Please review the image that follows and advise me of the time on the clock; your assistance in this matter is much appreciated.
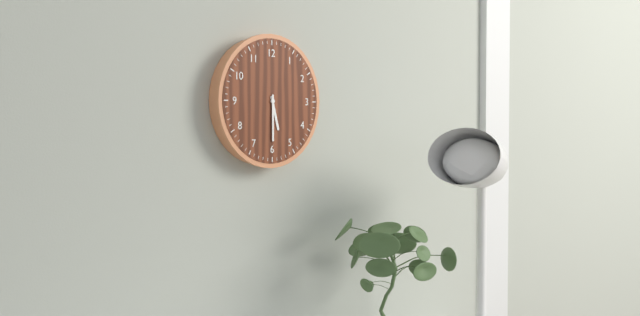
5:30
